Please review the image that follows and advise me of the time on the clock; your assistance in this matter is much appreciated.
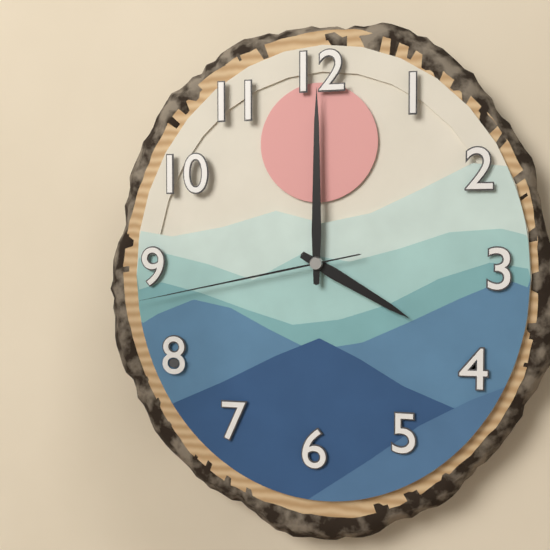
4:00:43
